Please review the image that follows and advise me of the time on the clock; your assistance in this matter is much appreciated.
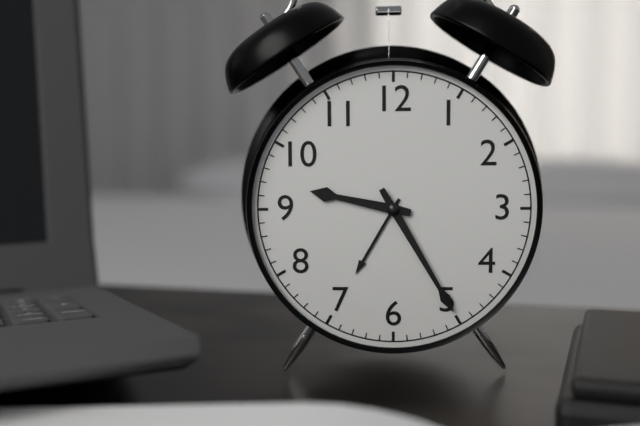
9:25
